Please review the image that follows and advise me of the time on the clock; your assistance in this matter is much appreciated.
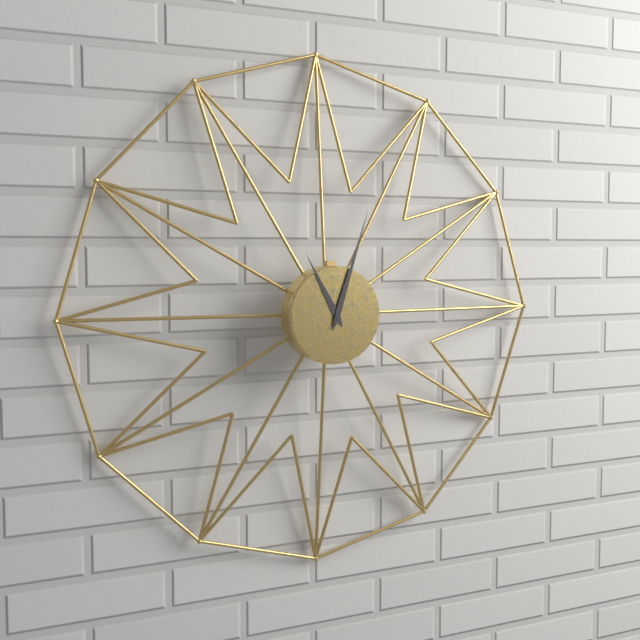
11:03
